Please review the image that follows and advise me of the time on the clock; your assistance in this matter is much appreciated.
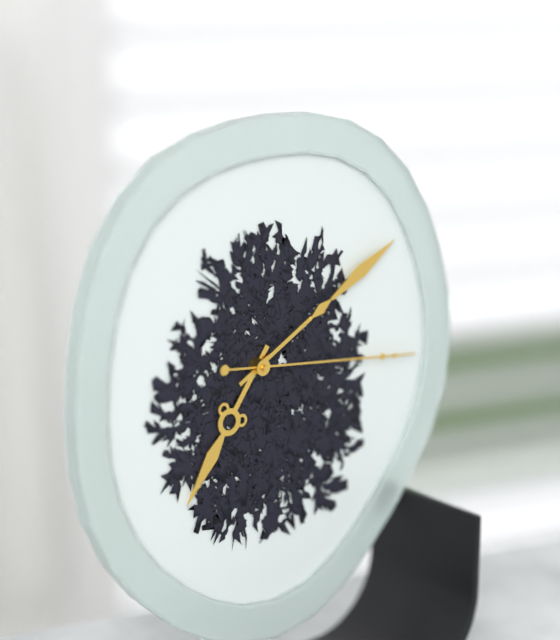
7:10:16
